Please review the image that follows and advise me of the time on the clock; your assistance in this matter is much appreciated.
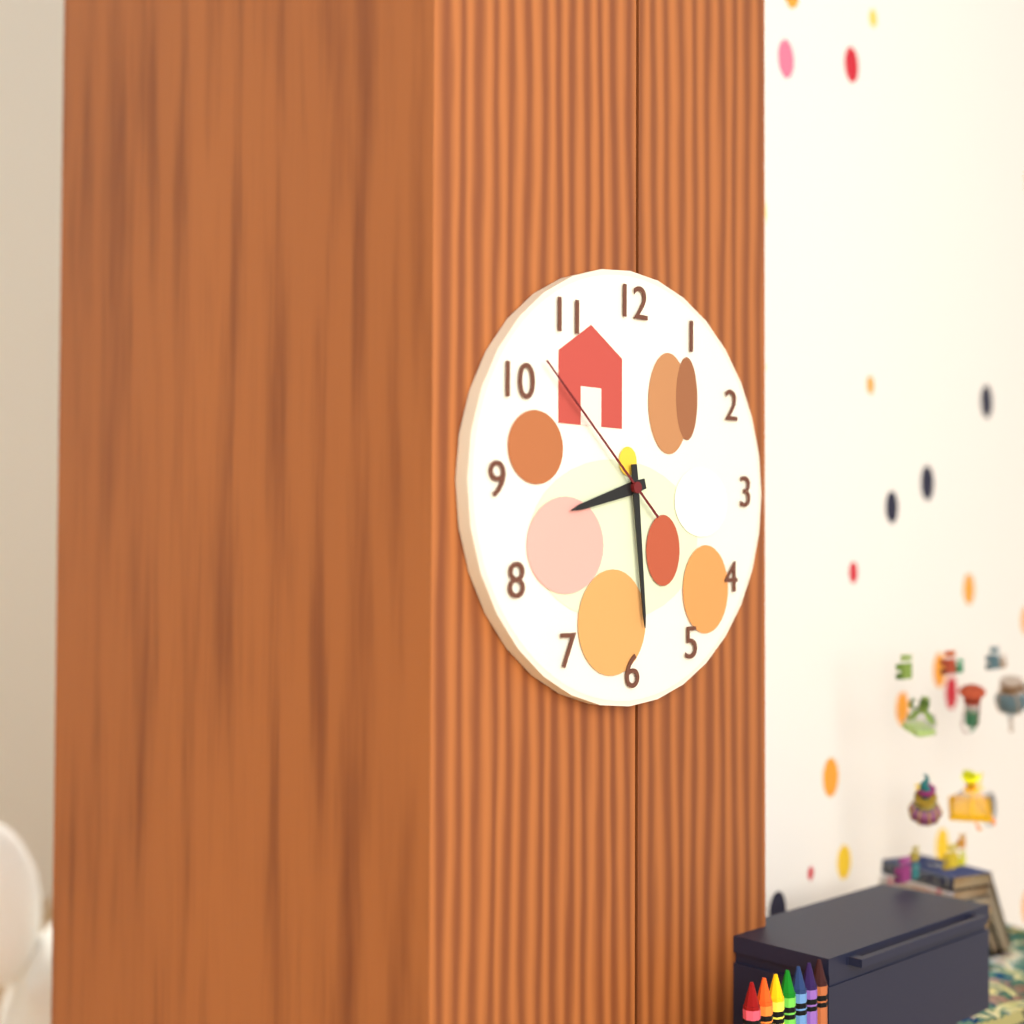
8:29:52
